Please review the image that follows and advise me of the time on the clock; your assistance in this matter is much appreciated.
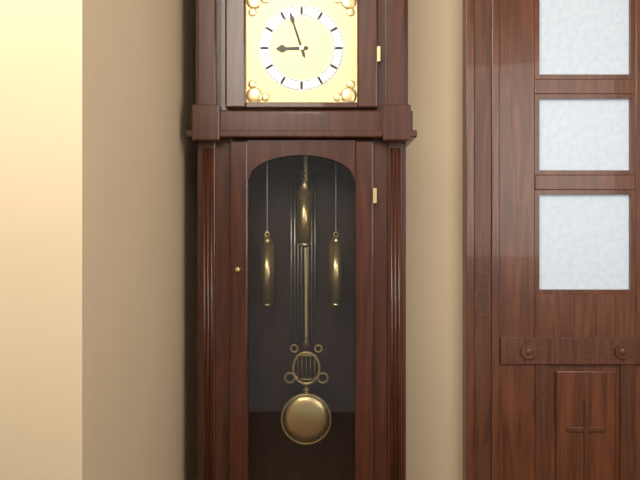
8:57
